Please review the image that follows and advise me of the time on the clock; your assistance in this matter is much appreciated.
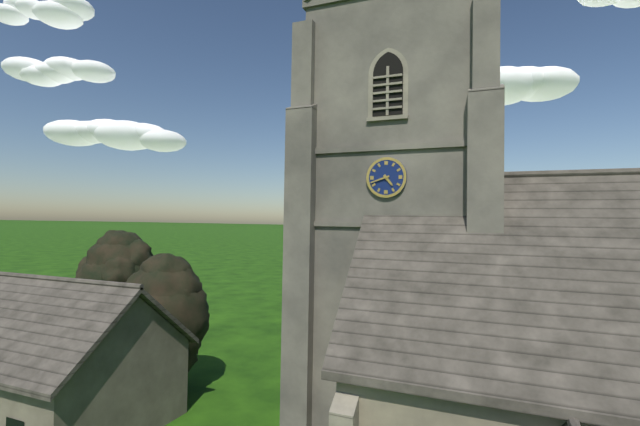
4:42
